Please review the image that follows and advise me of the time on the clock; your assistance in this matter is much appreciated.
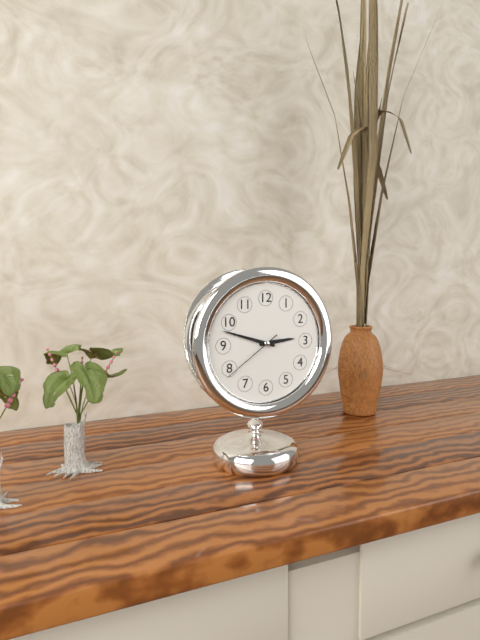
2:48:39
